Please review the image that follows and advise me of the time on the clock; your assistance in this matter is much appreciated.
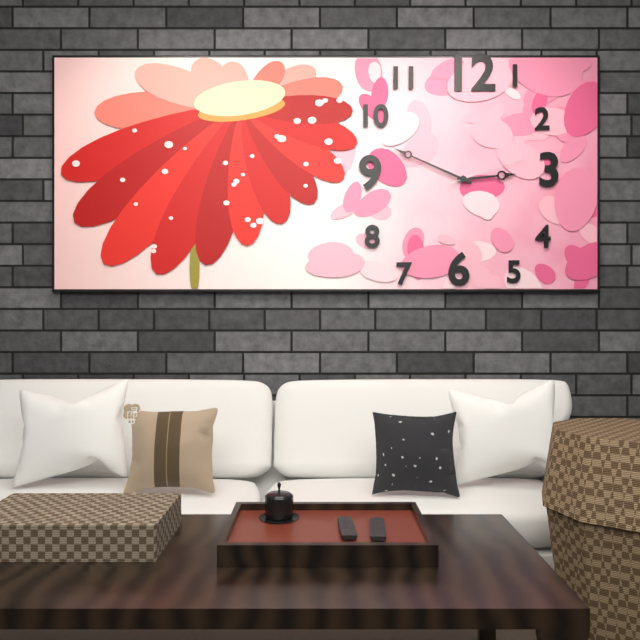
2:49:12
